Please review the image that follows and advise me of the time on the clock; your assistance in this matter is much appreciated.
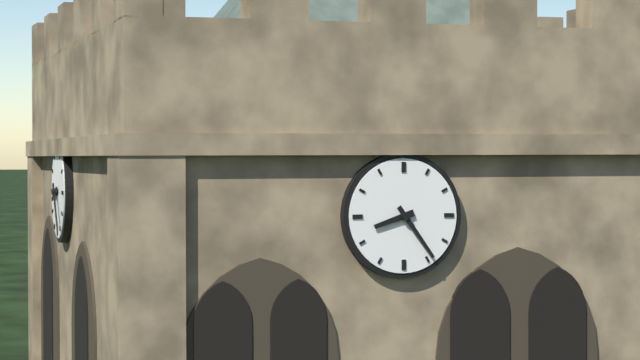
8:24
